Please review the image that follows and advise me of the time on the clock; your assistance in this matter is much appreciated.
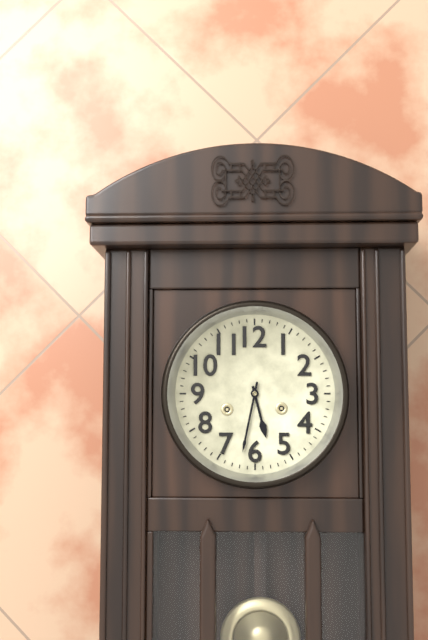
5:32
